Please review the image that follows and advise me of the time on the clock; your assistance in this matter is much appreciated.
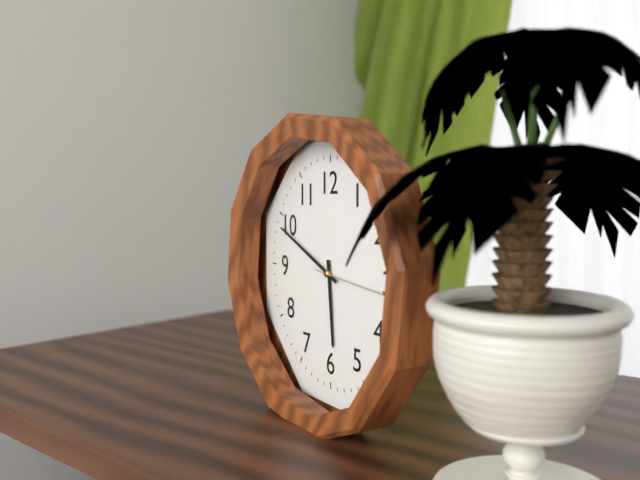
5:49:16
